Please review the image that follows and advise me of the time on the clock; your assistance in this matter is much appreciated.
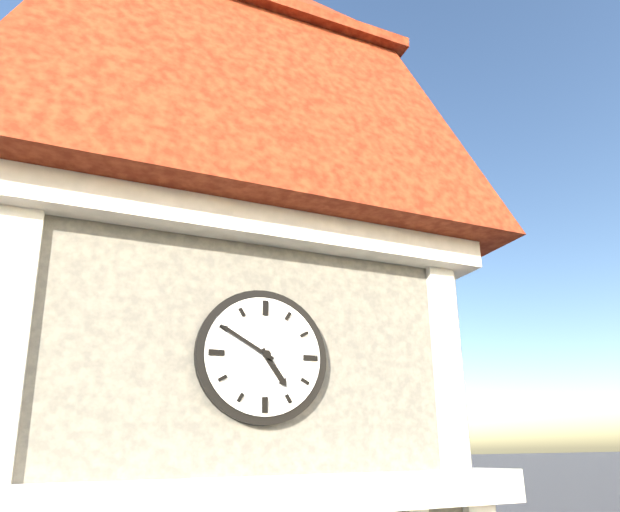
4:50
